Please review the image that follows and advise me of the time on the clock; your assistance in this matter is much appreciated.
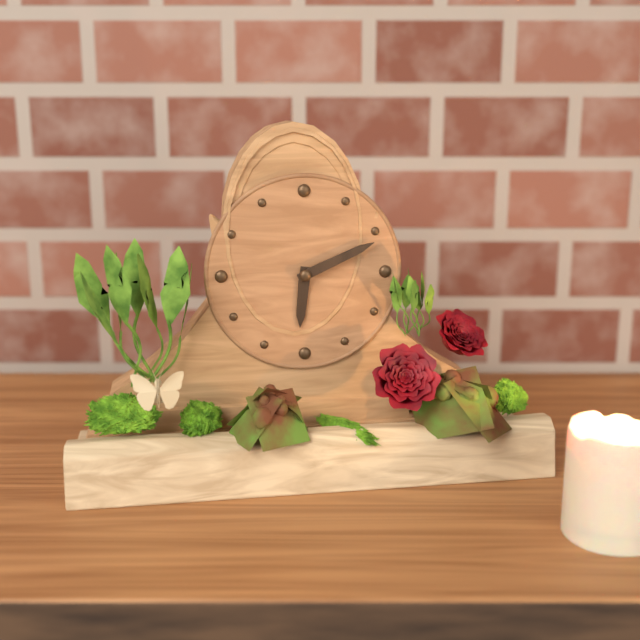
6:11
